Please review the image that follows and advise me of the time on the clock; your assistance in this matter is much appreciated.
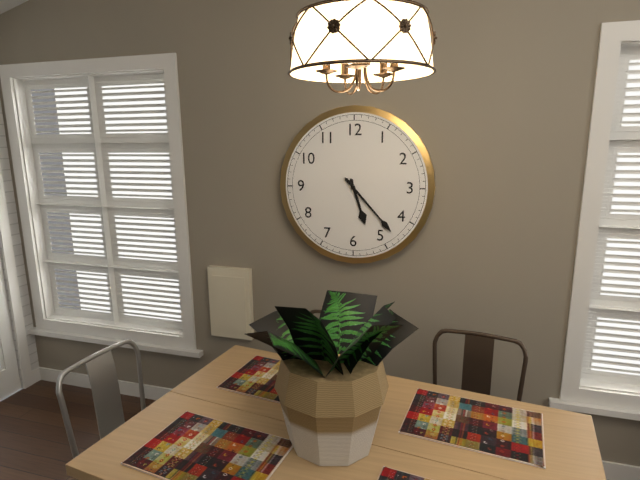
5:23
